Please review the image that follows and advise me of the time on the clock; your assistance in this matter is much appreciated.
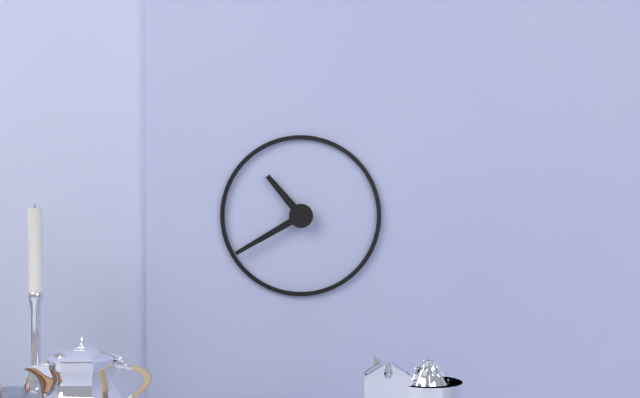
10:40
